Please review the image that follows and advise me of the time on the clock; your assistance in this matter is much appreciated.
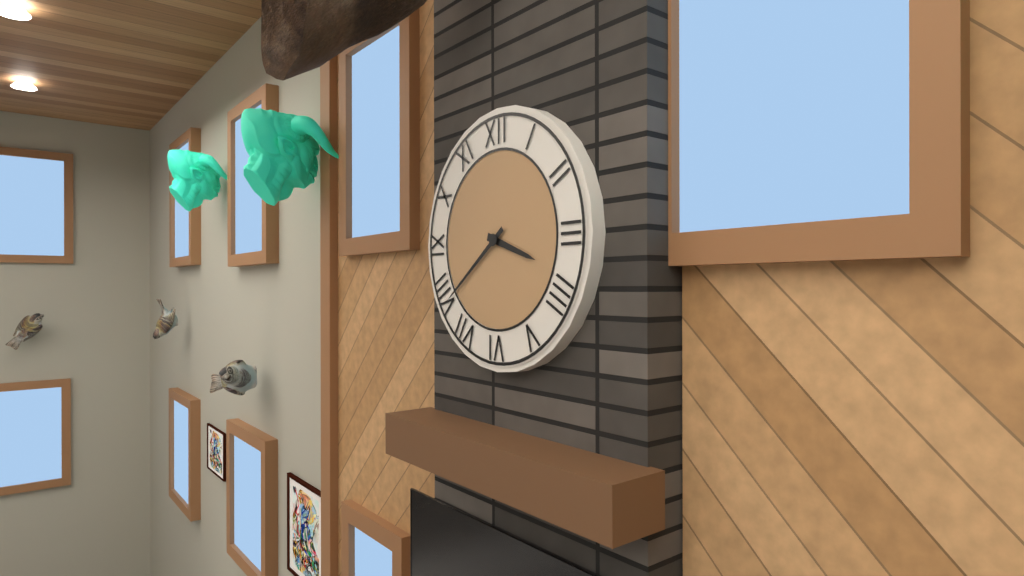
3:39
